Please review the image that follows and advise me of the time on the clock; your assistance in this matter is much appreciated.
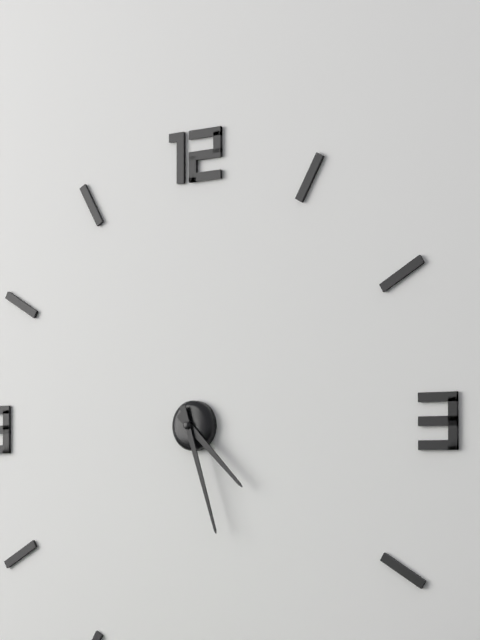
4:27
